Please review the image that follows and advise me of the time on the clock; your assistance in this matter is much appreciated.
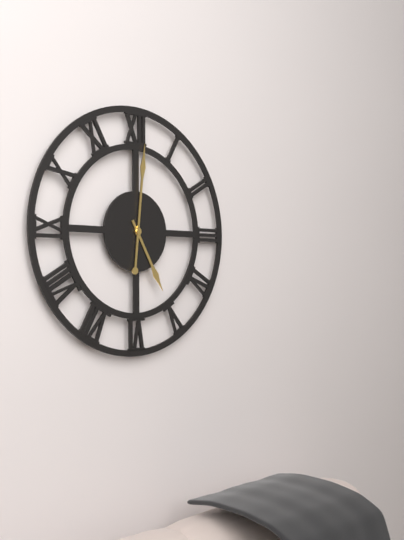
5:01
